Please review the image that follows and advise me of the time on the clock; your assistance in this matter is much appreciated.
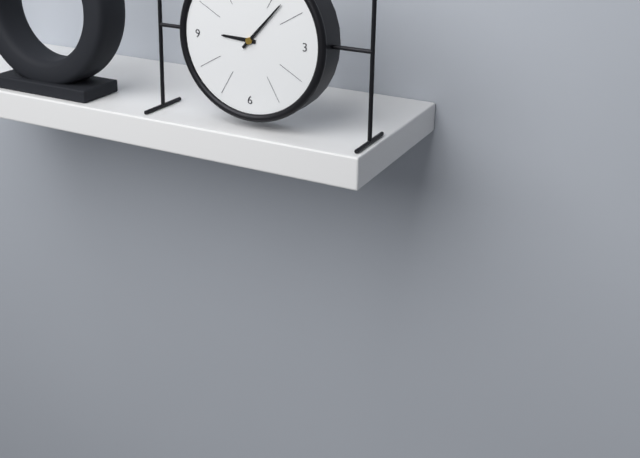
9:07
